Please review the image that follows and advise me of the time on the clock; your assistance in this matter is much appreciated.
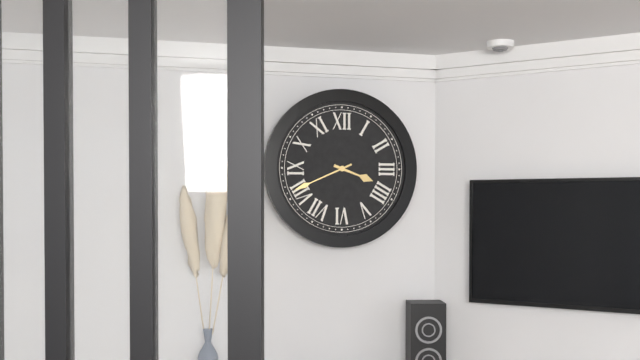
3:41
